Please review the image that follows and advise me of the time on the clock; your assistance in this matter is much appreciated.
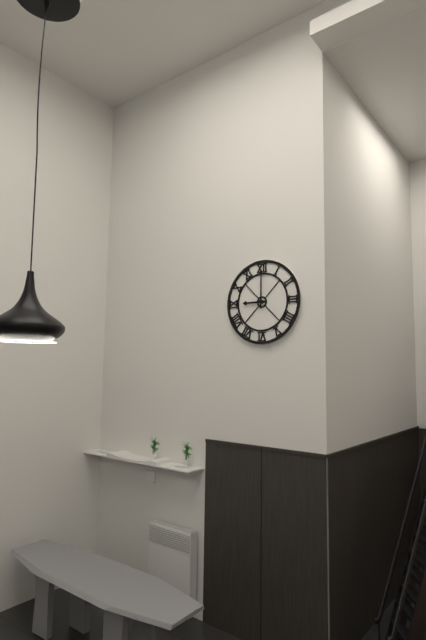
9:00
